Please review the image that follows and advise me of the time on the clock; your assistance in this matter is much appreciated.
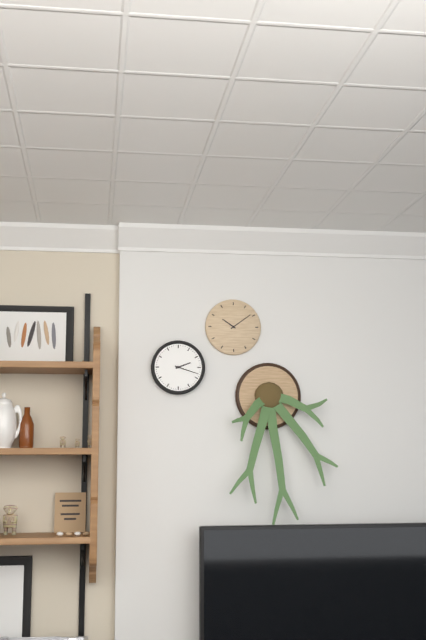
2:18
